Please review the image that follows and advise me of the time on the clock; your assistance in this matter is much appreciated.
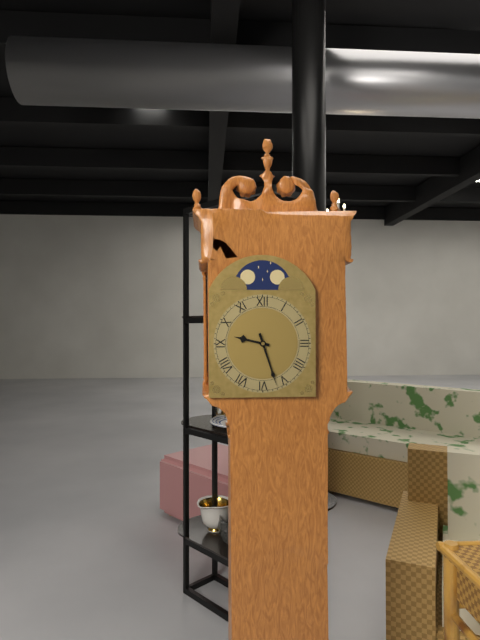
9:27
